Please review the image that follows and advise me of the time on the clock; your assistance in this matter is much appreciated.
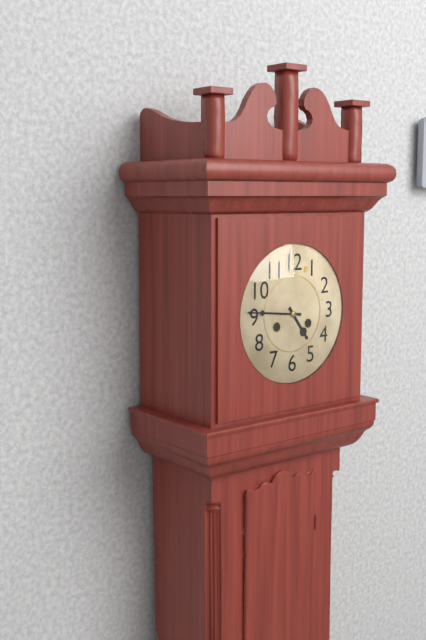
4:46
